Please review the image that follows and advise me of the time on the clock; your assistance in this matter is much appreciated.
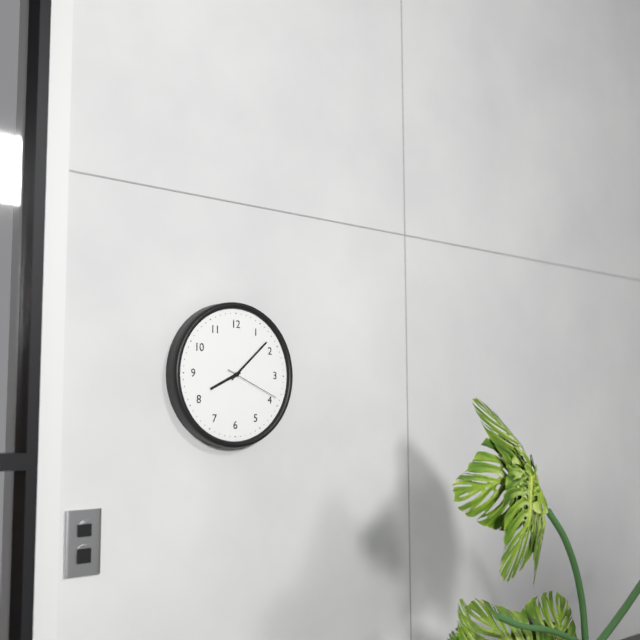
8:08:19
